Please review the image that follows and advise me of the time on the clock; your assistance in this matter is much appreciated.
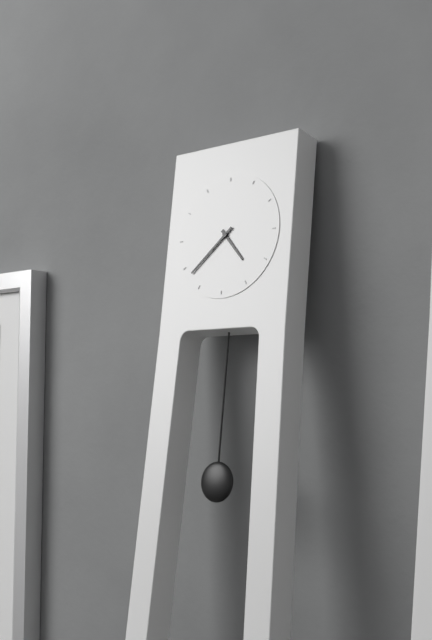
4:38
